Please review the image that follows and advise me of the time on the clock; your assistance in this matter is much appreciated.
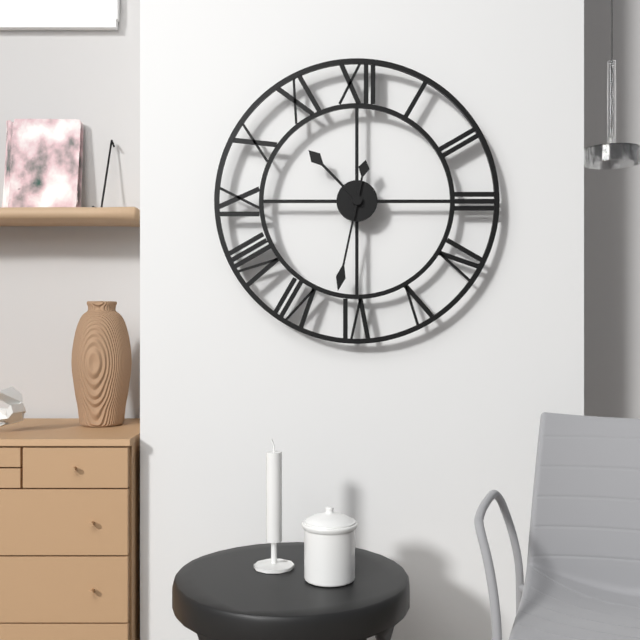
10:32
